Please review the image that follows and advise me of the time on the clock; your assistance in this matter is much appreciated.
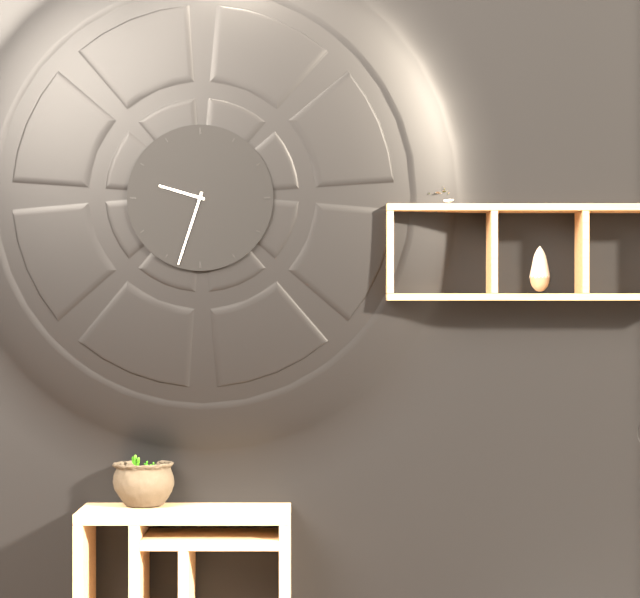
9:33
